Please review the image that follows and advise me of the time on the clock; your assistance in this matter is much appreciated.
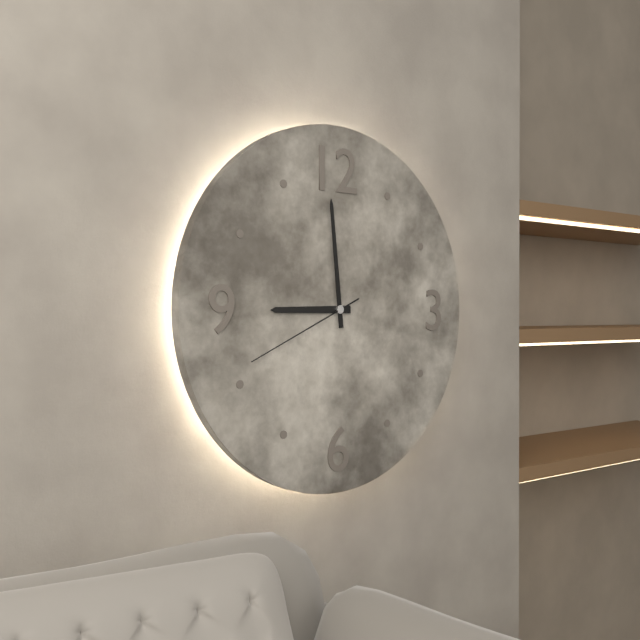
8:59:41
